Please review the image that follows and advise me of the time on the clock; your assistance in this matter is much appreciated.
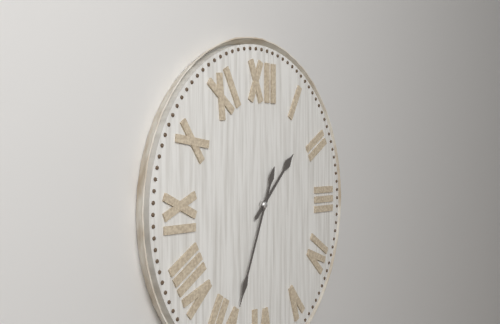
1:34
